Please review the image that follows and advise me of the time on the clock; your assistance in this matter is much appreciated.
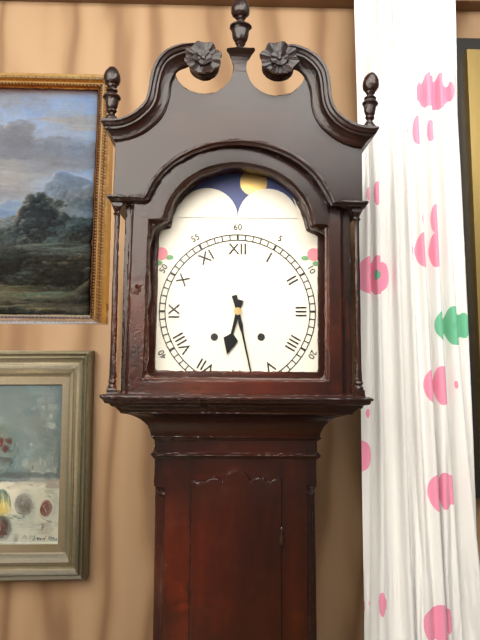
6:28
